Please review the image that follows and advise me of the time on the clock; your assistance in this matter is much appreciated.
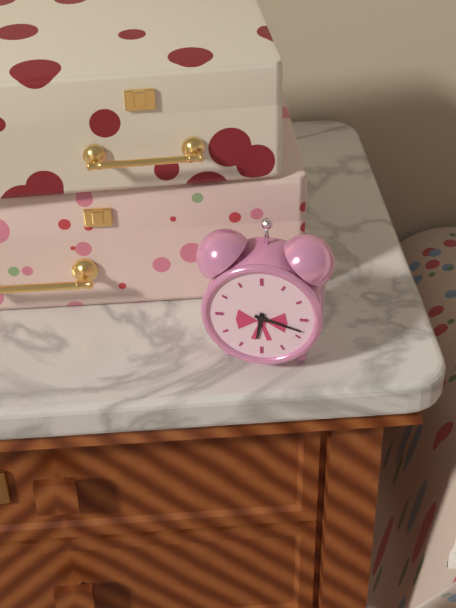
6:18
